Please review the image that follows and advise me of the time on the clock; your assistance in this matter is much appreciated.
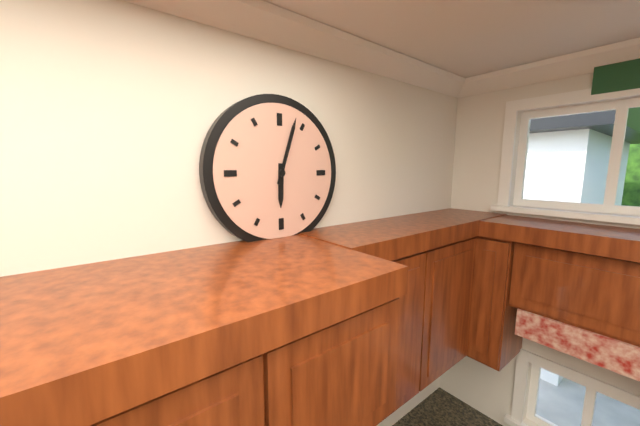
6:03
